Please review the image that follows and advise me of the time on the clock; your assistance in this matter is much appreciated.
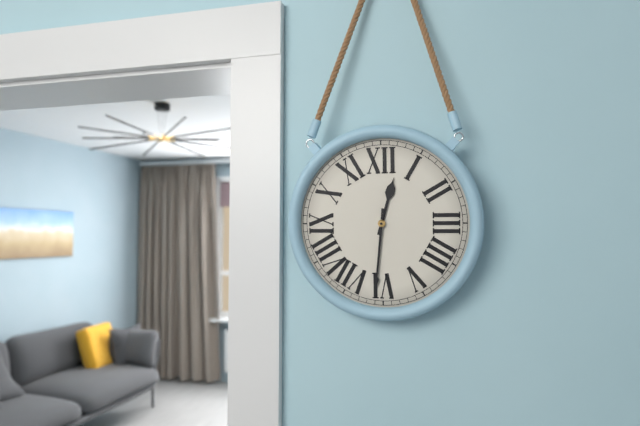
12:31
